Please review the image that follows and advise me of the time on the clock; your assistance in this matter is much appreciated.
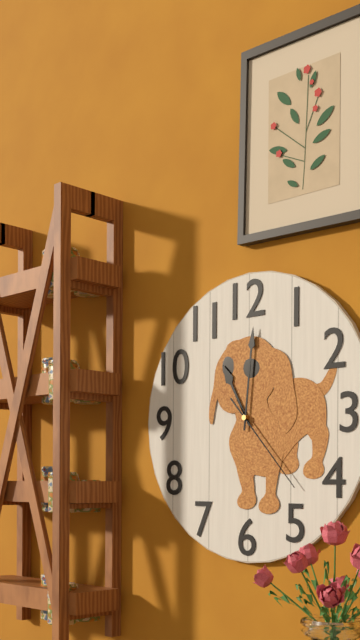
11:01:23
